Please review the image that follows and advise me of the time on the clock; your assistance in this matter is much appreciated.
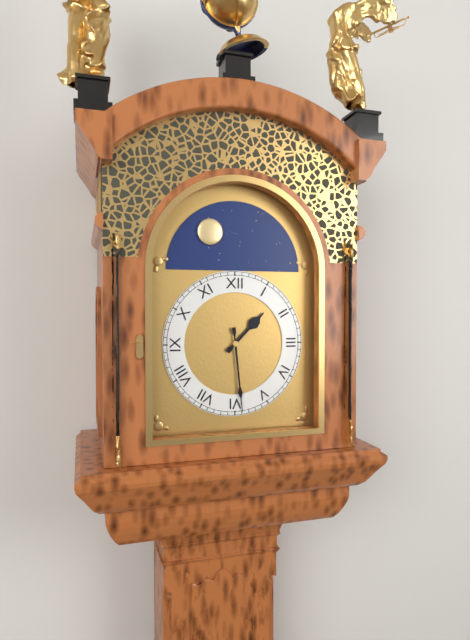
1:29
